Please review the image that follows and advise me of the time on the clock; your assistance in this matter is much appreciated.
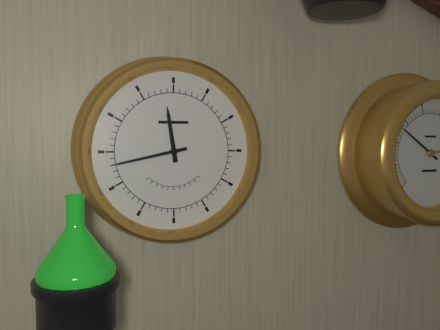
11:43
